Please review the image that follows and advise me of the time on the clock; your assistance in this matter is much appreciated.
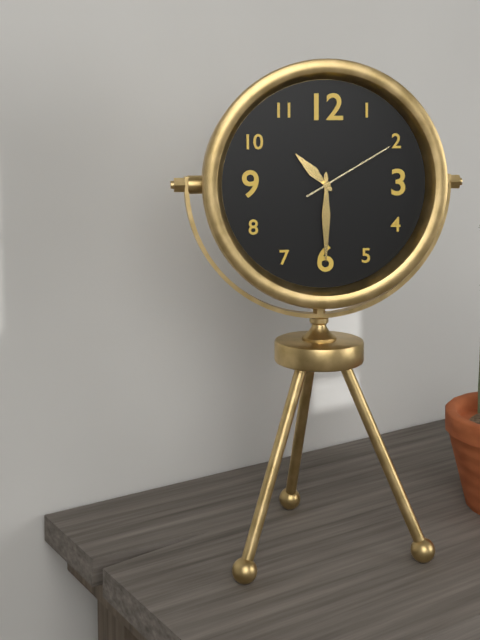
10:30:10
